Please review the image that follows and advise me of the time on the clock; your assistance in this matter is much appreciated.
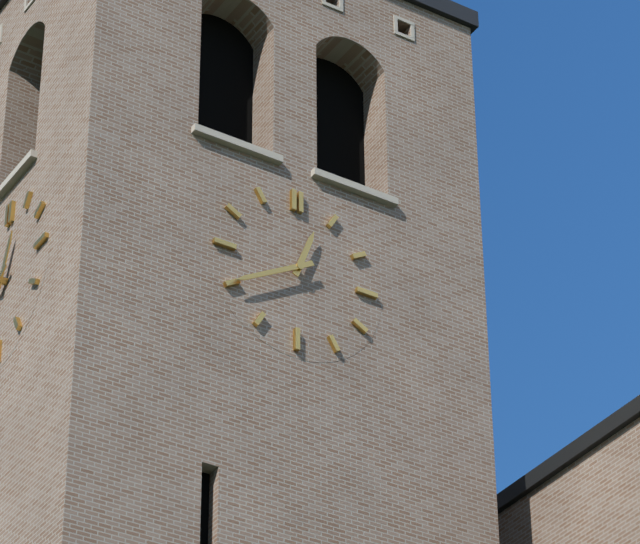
12:40
